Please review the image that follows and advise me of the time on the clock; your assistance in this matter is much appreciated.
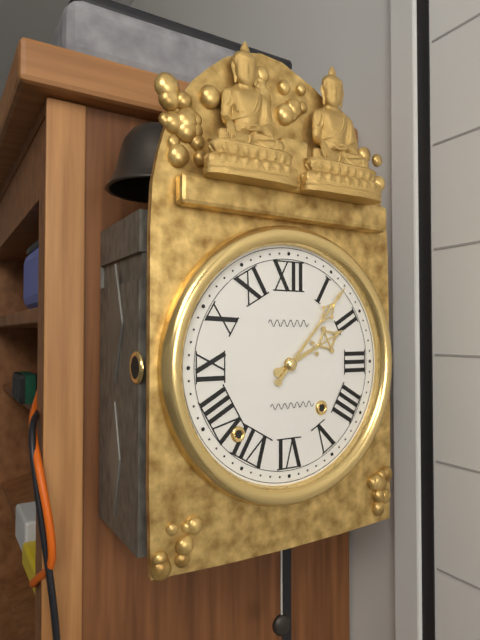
2:07
